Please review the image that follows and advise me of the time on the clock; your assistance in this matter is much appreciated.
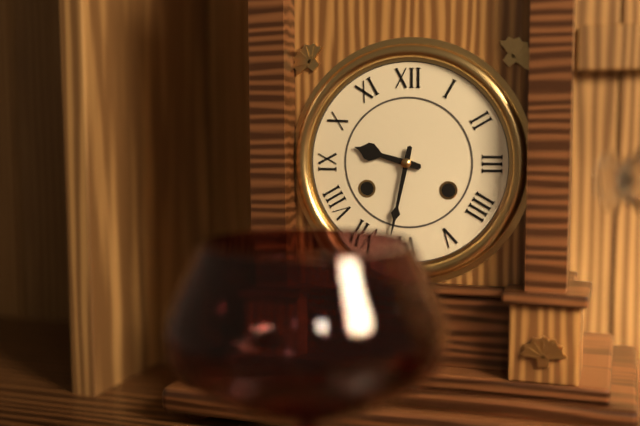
9:32
